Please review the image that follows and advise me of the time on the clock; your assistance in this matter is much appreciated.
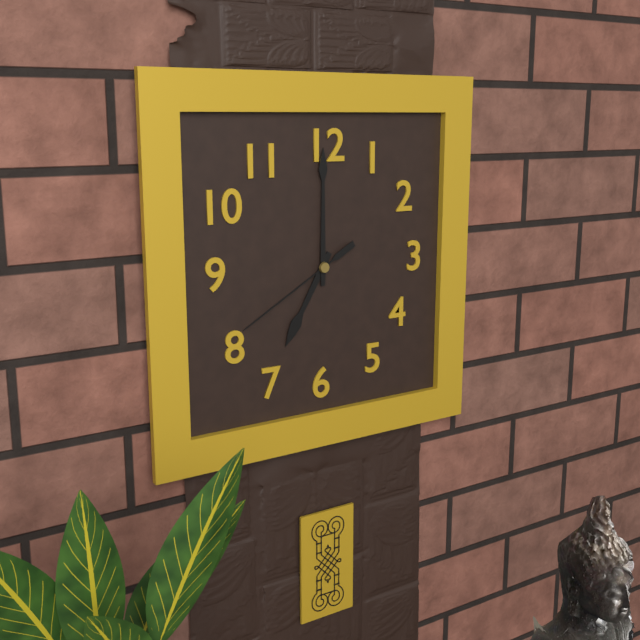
7:00:40
